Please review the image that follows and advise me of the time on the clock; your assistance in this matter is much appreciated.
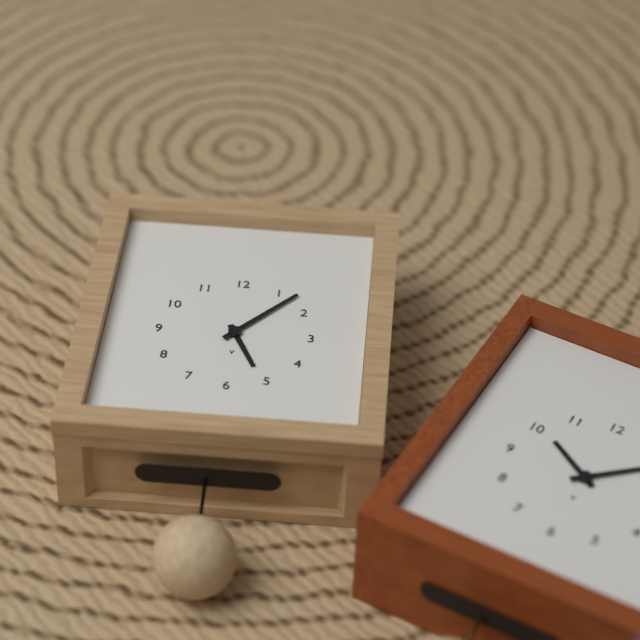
5:07
